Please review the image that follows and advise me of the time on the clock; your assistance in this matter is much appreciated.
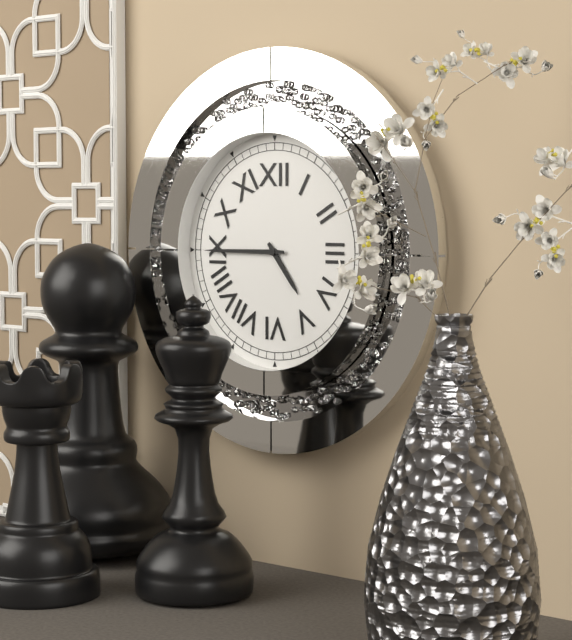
4:45
